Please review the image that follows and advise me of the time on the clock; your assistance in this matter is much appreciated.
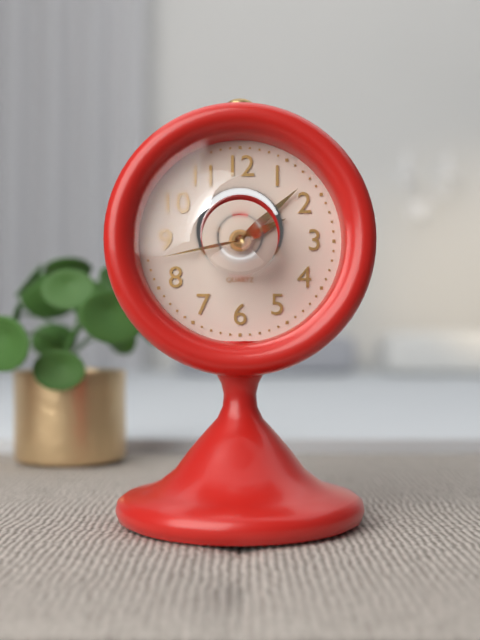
2:08:43
